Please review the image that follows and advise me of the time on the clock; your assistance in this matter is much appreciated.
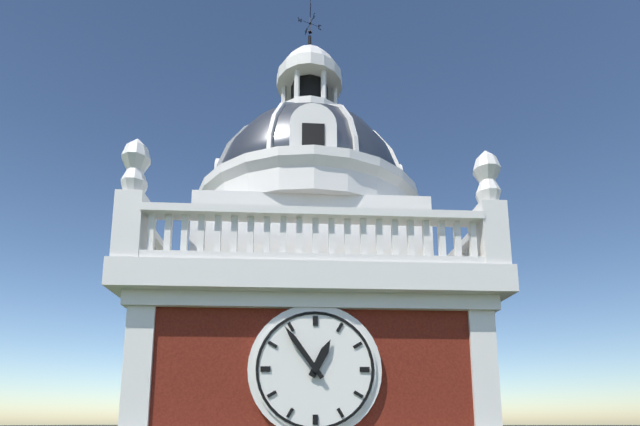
12:54
